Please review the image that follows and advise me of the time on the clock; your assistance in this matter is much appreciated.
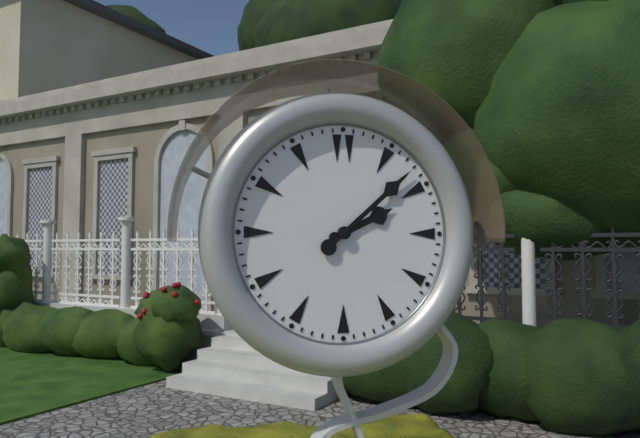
2:08
